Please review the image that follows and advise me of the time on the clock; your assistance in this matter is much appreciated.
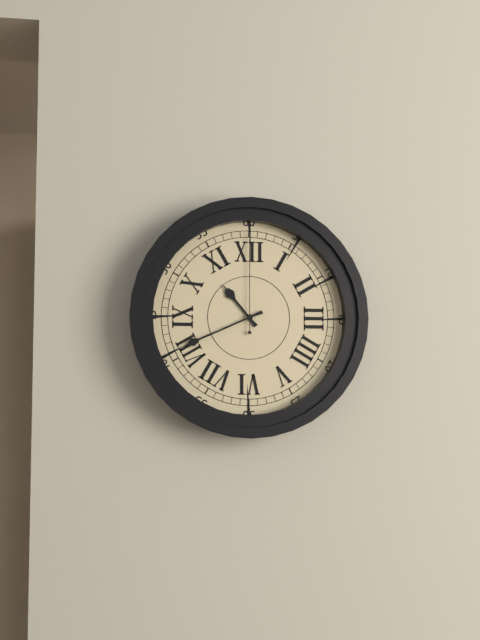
10:41:00
